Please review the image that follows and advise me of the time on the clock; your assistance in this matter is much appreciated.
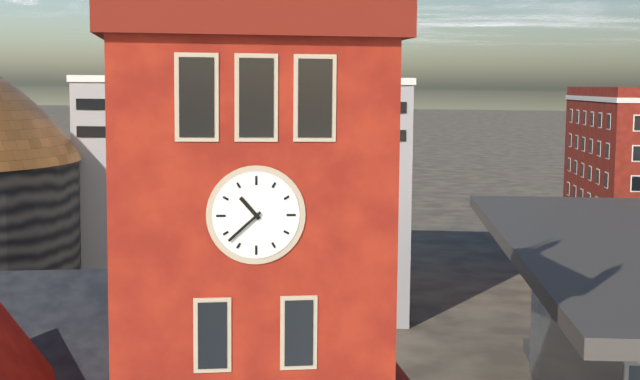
10:38
